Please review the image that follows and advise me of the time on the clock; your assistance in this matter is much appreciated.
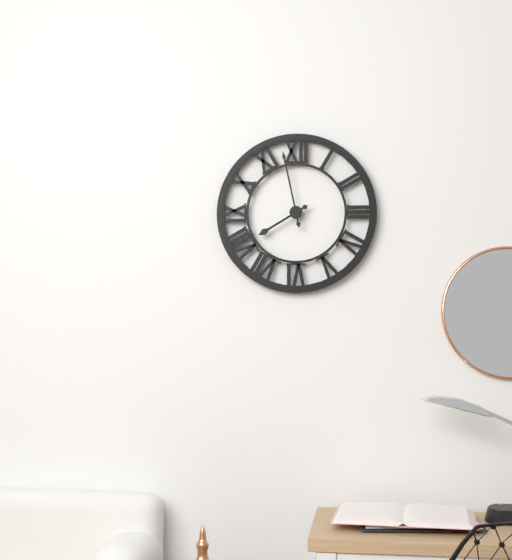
7:58
